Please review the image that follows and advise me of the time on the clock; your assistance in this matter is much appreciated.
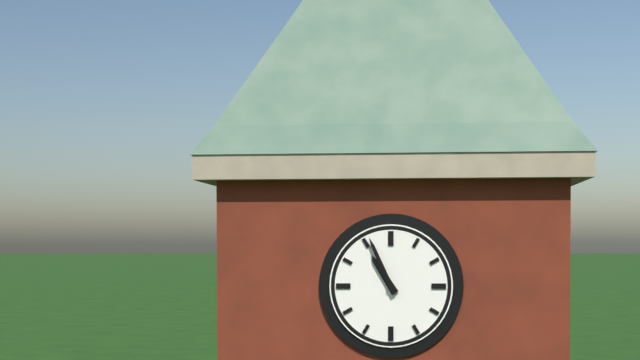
10:56
